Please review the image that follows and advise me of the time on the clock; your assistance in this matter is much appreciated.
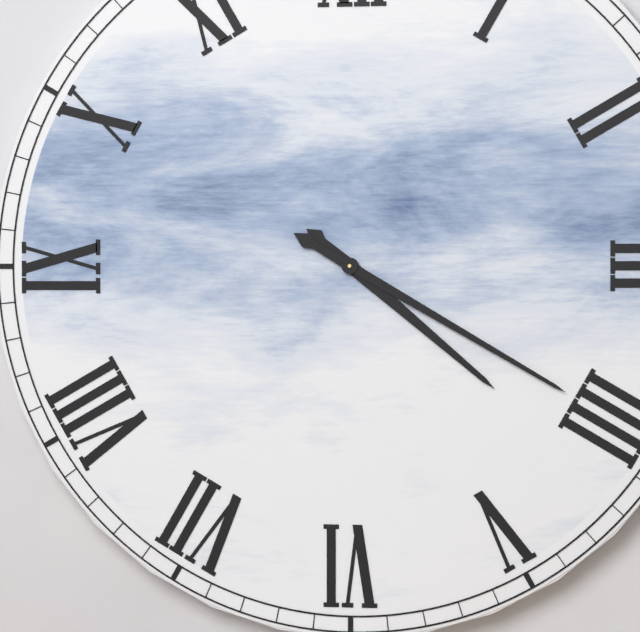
4:20
